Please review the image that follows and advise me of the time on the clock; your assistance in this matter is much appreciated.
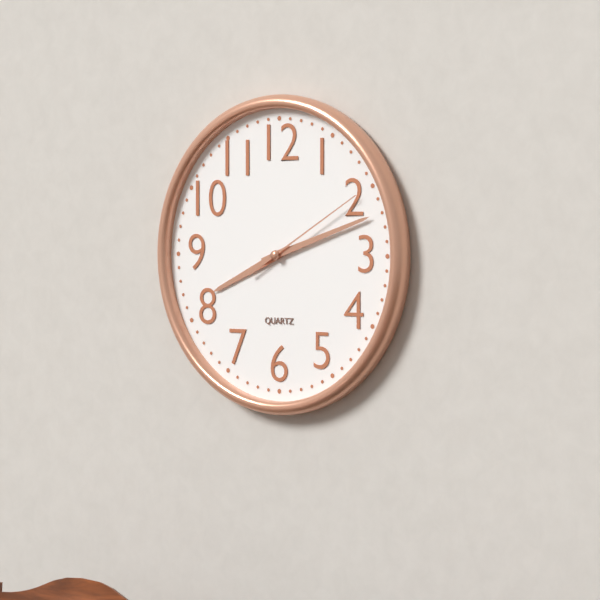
8:12:10
